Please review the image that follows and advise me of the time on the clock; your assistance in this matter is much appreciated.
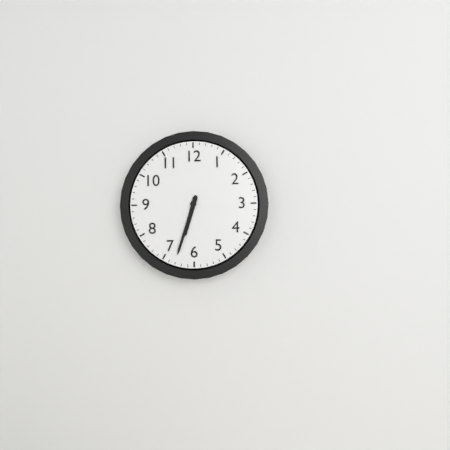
6:33
